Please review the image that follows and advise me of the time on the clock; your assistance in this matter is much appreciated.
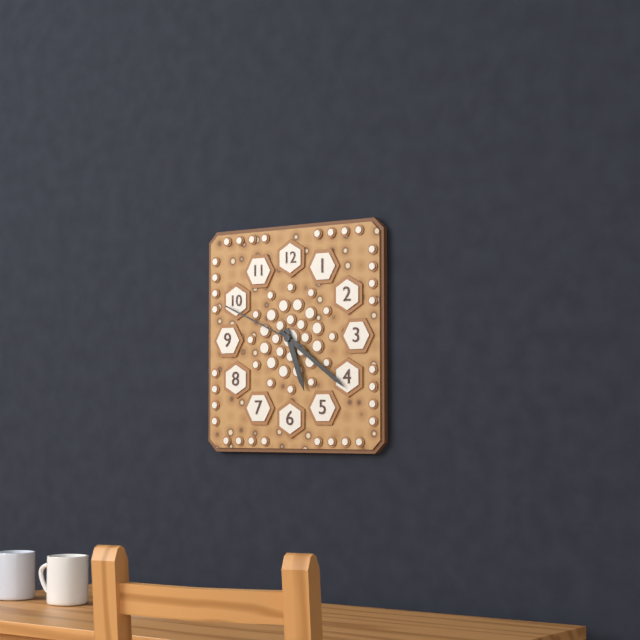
5:21:49
